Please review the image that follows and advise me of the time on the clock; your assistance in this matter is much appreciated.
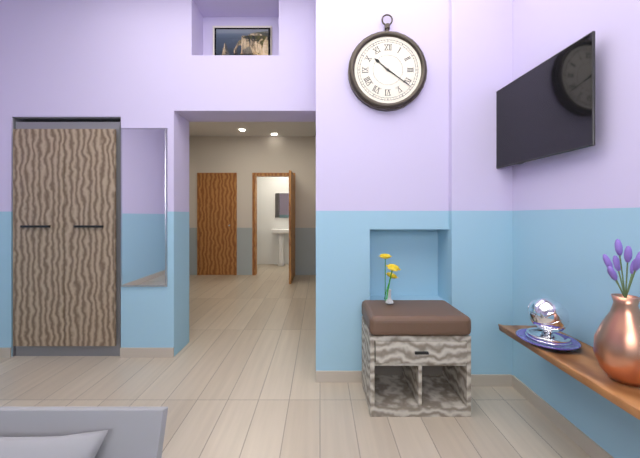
10:21
